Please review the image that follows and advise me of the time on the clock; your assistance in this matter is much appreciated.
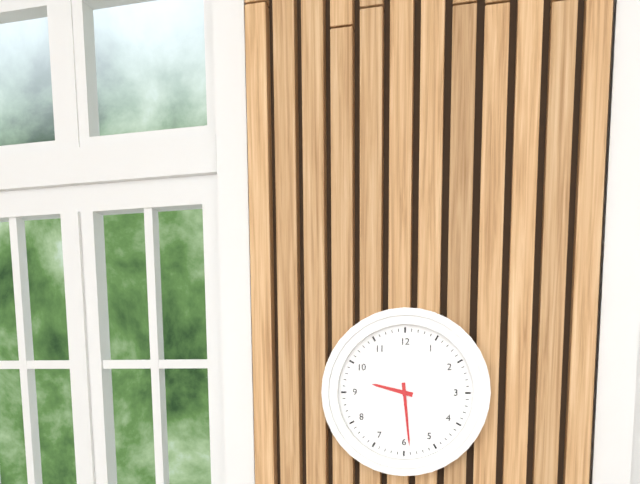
9:29
